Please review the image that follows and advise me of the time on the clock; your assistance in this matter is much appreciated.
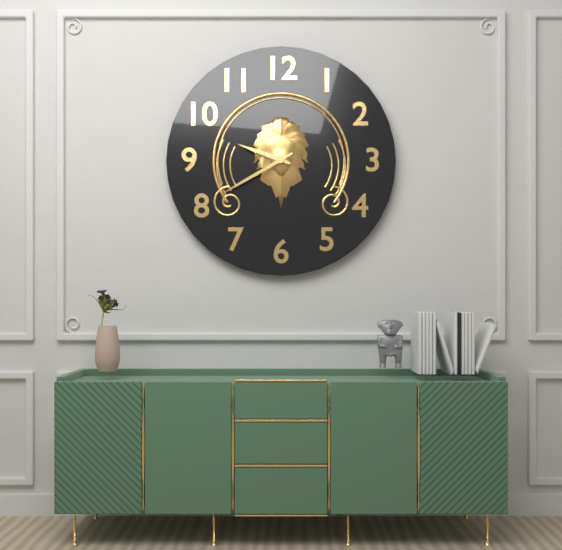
9:40
